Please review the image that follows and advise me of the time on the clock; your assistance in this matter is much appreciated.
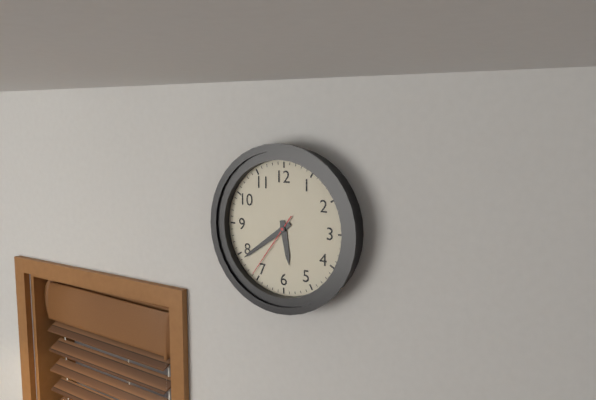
5:39:36
